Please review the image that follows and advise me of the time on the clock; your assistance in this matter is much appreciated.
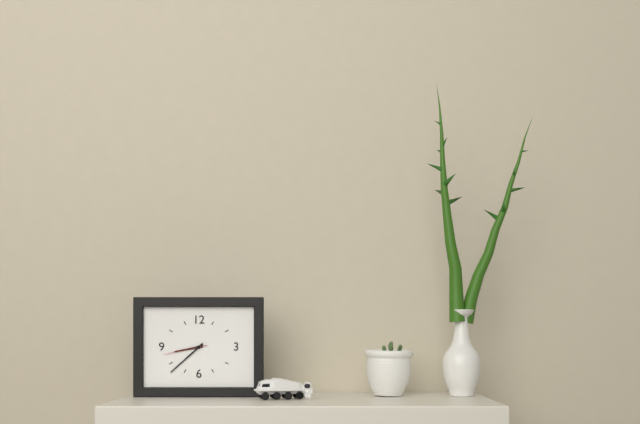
8:38
